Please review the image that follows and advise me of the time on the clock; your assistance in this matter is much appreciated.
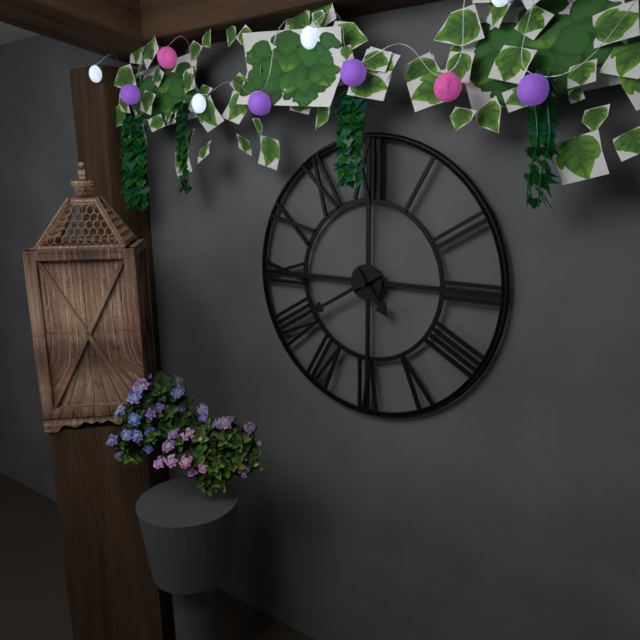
4:40
